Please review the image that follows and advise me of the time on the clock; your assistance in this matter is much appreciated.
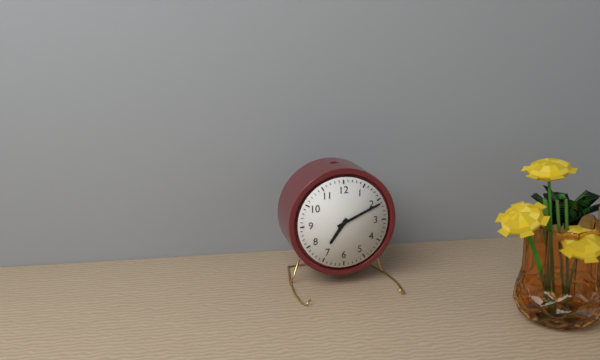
7:11
